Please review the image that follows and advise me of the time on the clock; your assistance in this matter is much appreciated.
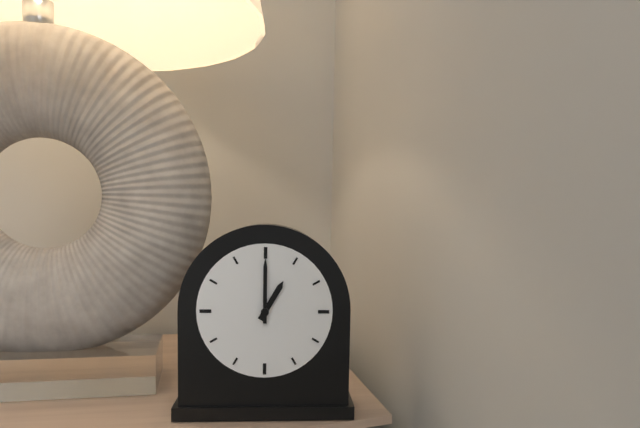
1:00
